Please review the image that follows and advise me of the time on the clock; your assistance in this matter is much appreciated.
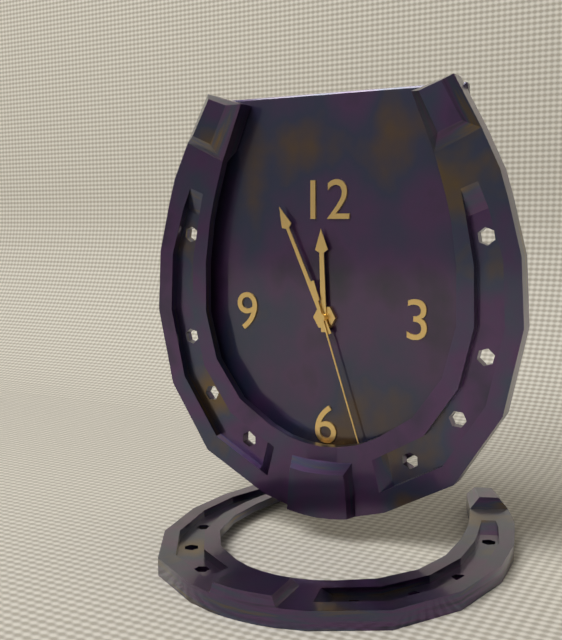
11:56:27
